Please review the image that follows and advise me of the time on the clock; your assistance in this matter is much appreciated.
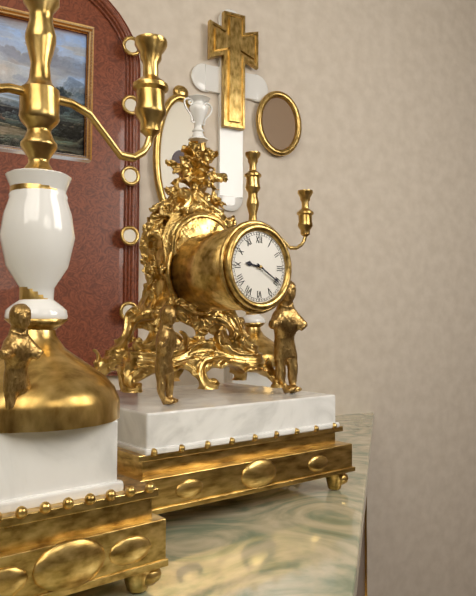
9:20
